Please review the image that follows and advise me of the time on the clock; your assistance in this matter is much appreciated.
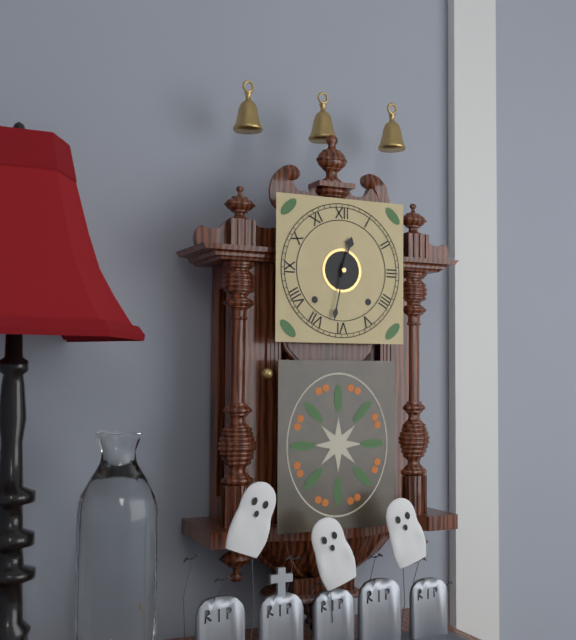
12:32
